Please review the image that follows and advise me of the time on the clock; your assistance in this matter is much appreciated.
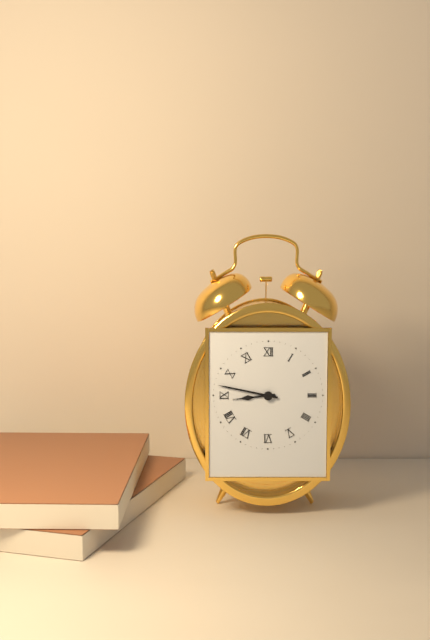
8:47
